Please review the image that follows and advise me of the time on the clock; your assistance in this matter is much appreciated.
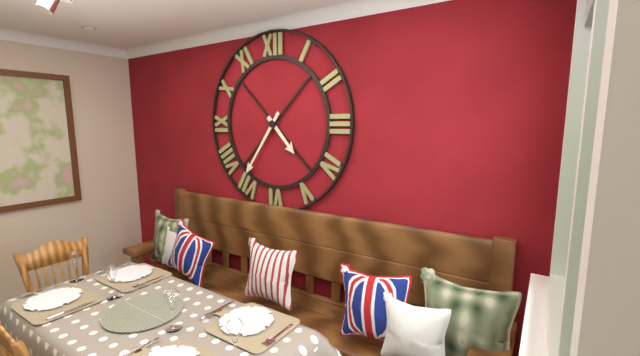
4:36
